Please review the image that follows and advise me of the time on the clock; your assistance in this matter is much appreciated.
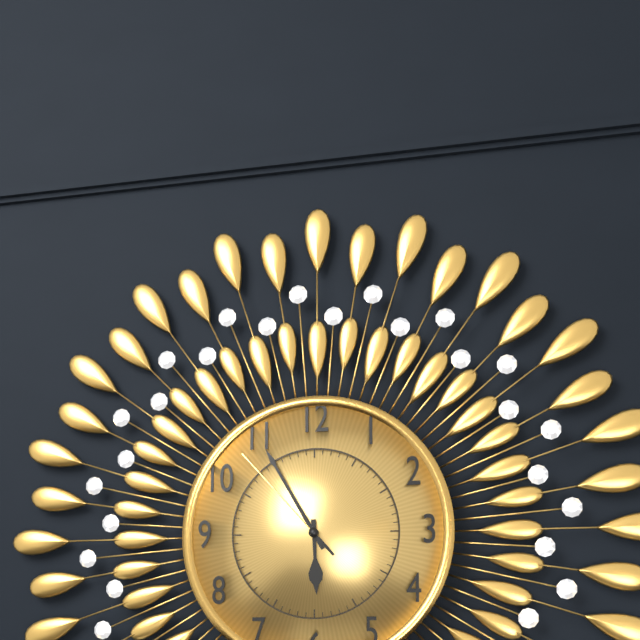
5:55:53
